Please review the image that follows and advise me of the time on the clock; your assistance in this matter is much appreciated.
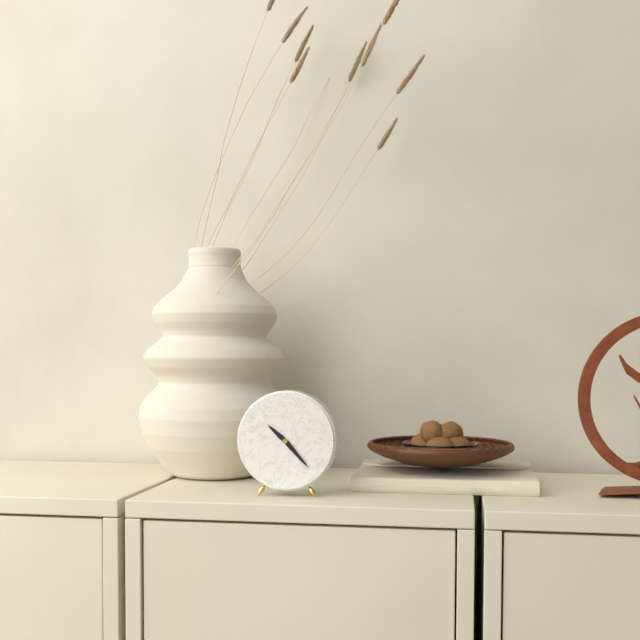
10:23
